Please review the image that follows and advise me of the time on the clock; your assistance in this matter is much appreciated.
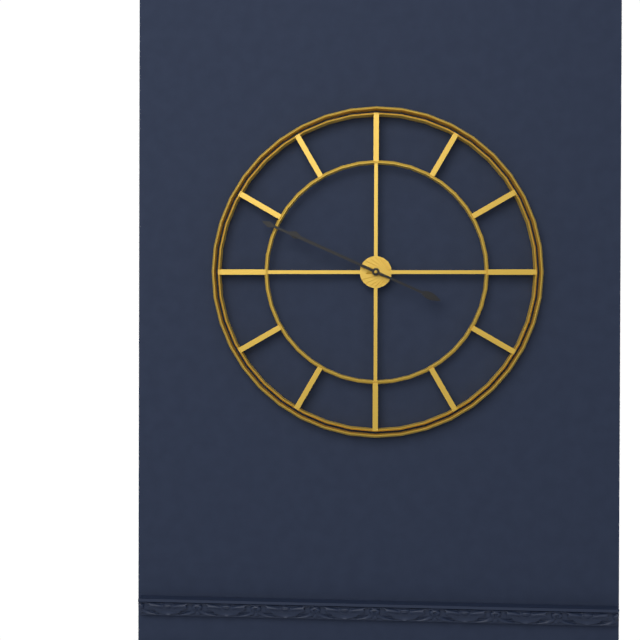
9:49
